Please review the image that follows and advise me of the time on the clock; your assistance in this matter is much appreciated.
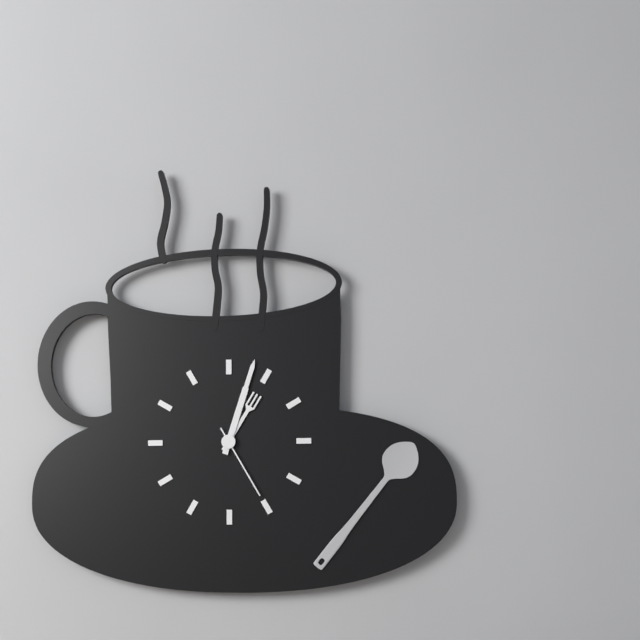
1:03:25
